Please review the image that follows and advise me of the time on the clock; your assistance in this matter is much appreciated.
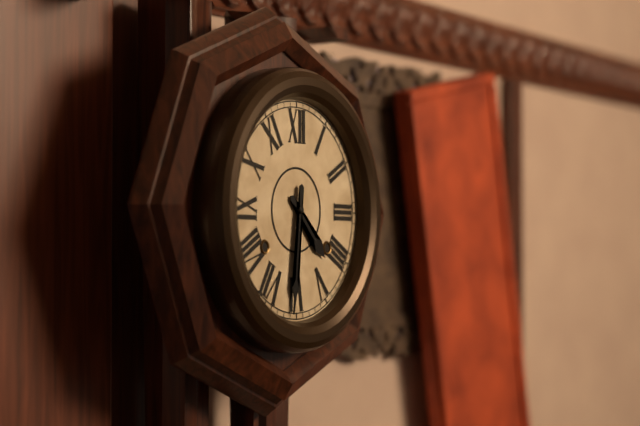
4:31
